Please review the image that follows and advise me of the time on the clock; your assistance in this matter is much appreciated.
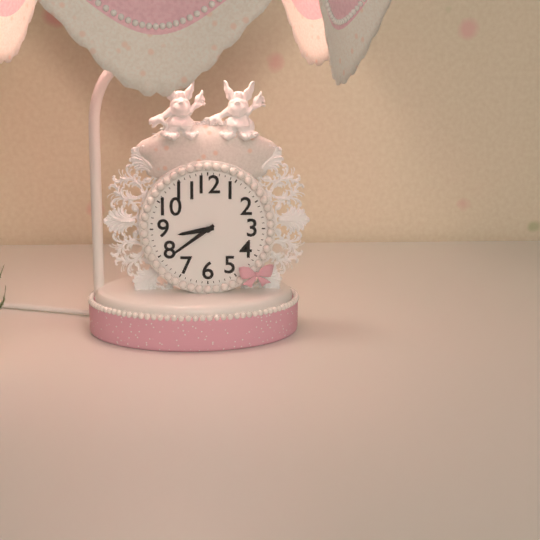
8:39
